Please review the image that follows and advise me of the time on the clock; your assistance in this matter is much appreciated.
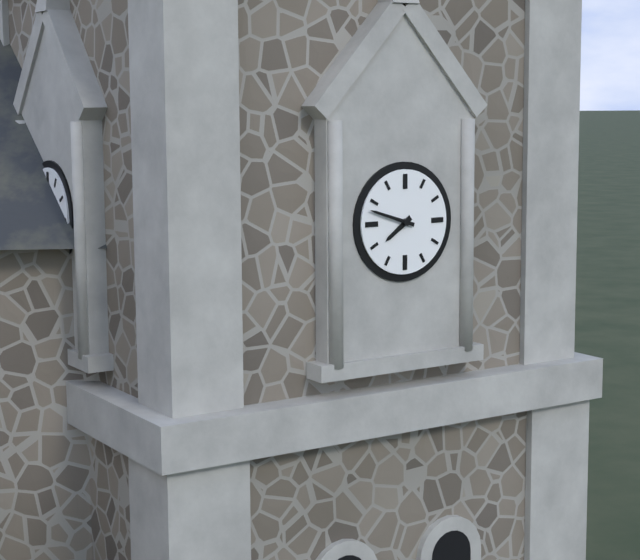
7:48
